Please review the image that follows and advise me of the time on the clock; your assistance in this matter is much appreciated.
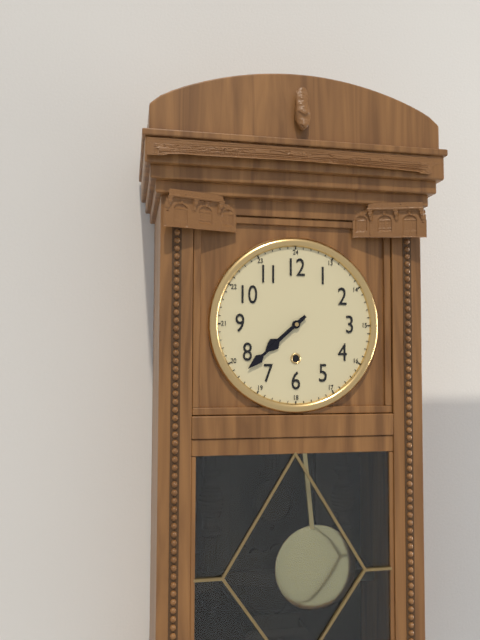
7:38
